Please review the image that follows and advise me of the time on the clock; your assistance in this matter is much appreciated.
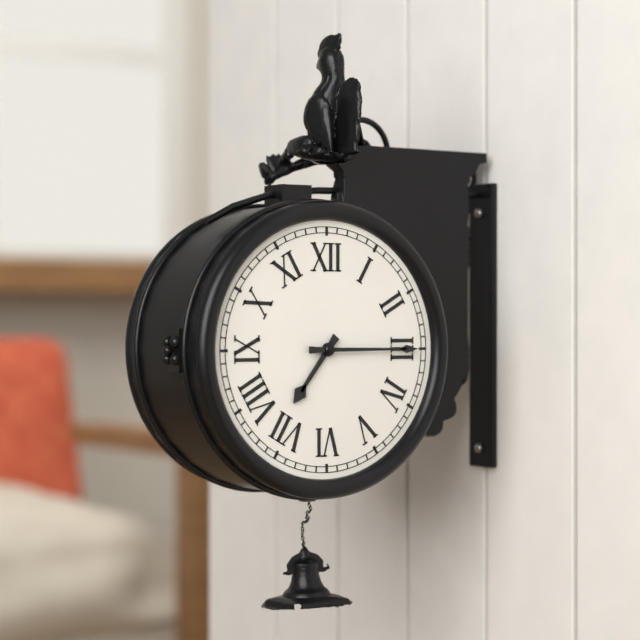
7:15
